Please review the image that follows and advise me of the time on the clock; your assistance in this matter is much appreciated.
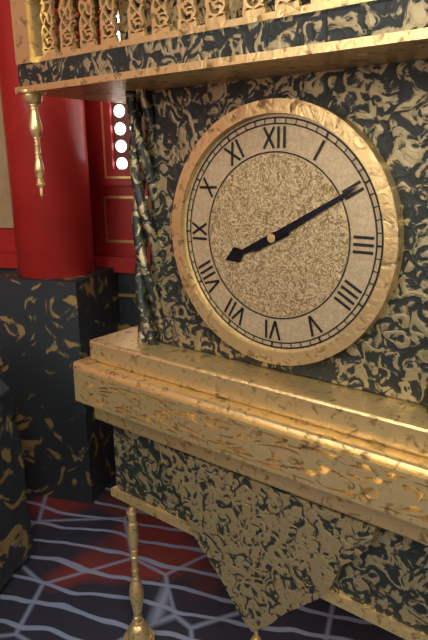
8:10
